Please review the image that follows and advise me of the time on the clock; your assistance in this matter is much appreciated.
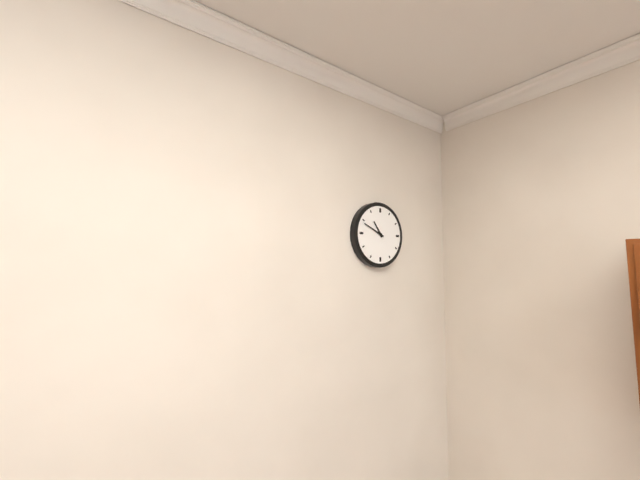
10:49
